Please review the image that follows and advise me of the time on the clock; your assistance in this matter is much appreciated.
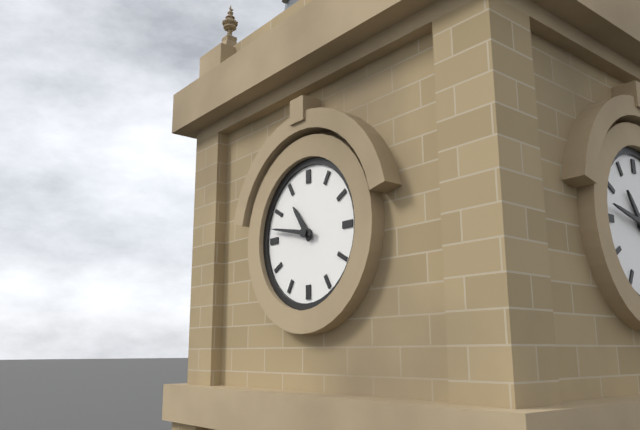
10:47
